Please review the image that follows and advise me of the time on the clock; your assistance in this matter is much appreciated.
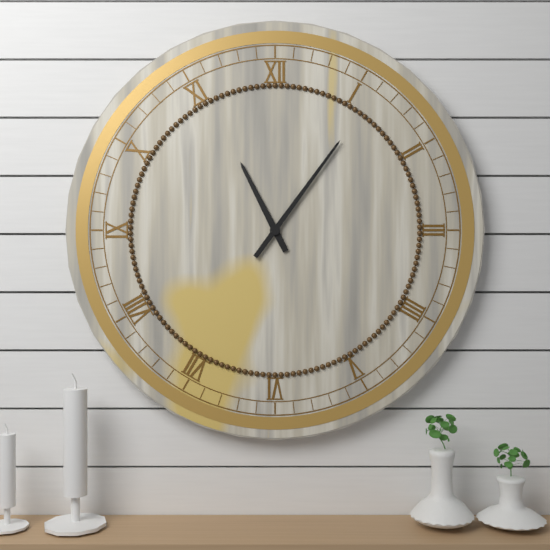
11:06
